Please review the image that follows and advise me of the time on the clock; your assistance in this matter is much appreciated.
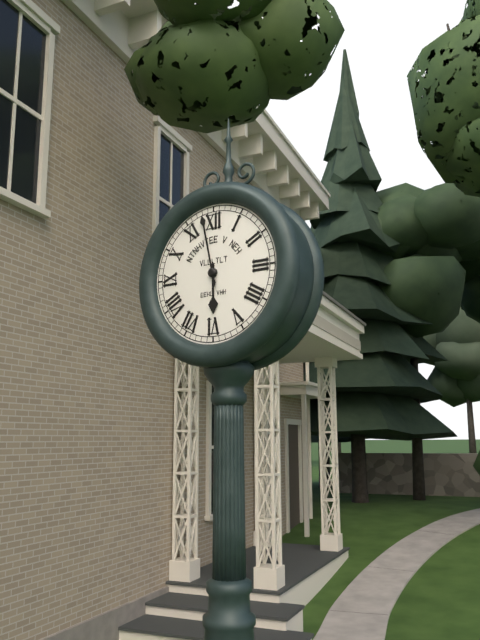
5:58
